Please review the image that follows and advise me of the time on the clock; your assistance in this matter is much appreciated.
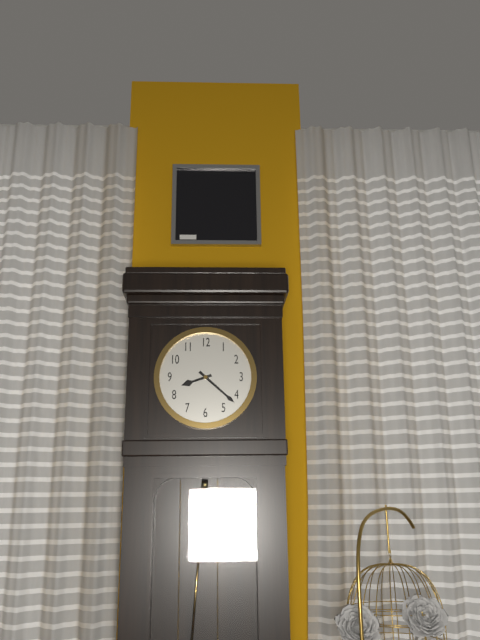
8:22
